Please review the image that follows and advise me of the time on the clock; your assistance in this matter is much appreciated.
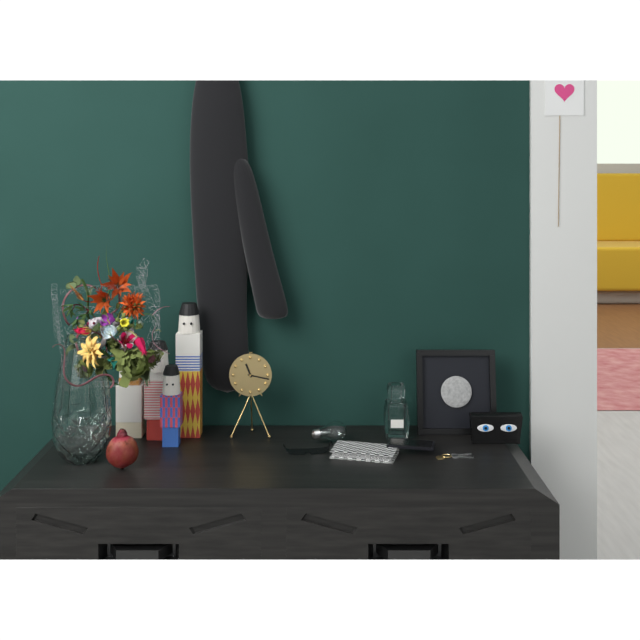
11:17
